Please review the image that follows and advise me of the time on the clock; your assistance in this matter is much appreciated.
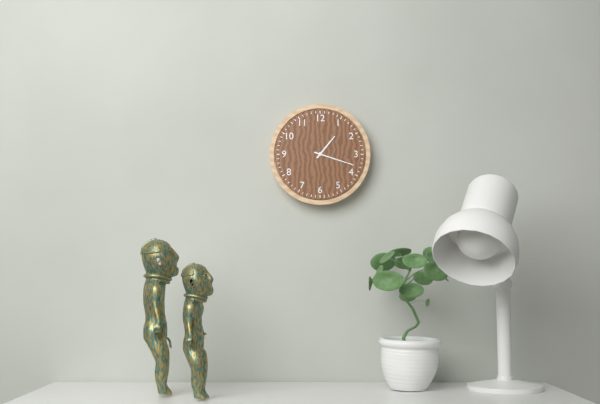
1:18
